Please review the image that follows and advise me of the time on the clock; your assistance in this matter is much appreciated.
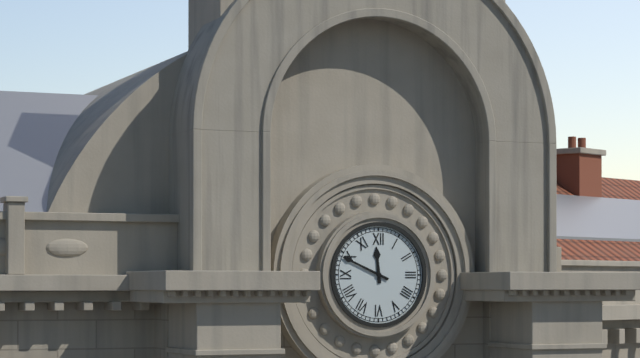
11:49
